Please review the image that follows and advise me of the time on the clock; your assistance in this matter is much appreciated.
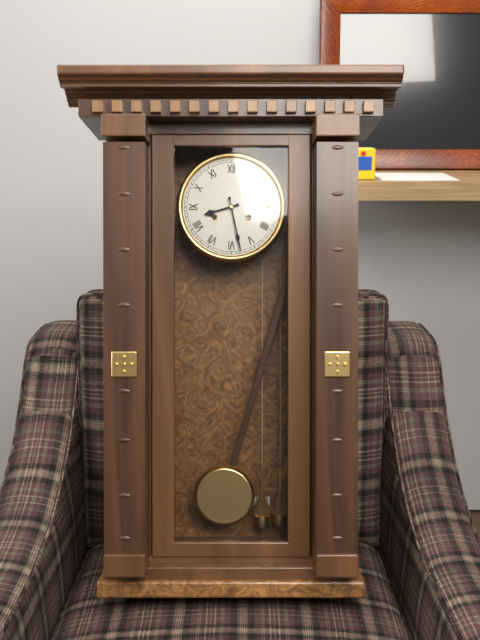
8:28
